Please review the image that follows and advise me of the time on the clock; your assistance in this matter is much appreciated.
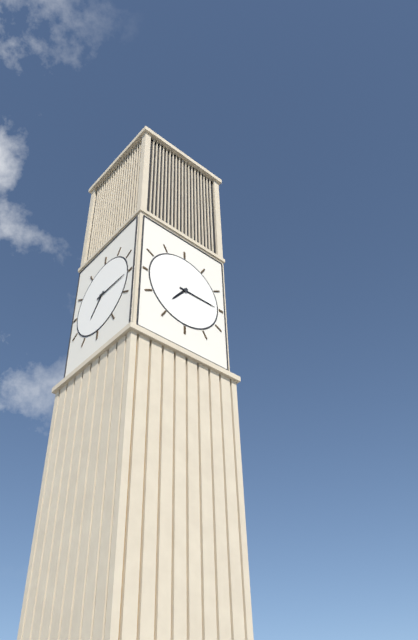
7:15
